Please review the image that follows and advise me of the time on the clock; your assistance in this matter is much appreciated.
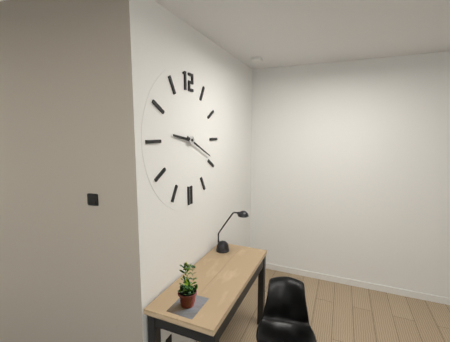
9:19
